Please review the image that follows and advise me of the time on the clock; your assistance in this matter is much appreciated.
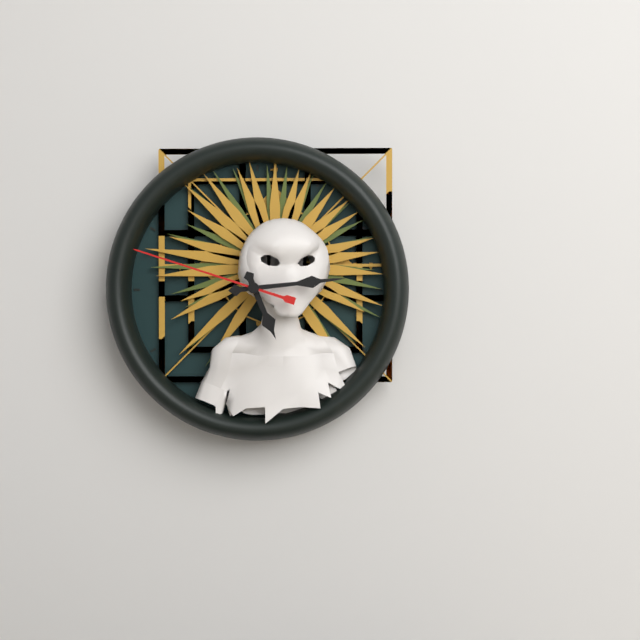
5:14:48
